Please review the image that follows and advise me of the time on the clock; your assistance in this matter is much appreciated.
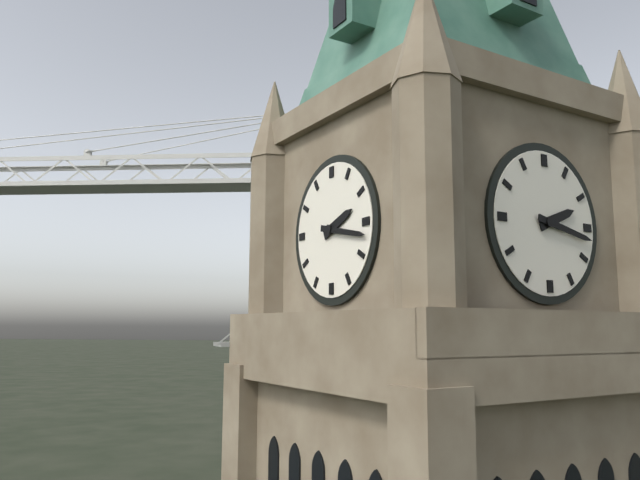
2:17
